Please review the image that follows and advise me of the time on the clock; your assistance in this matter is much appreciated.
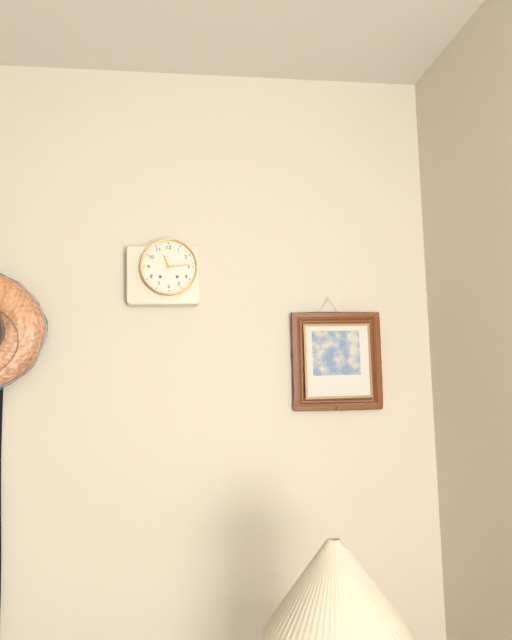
11:14
